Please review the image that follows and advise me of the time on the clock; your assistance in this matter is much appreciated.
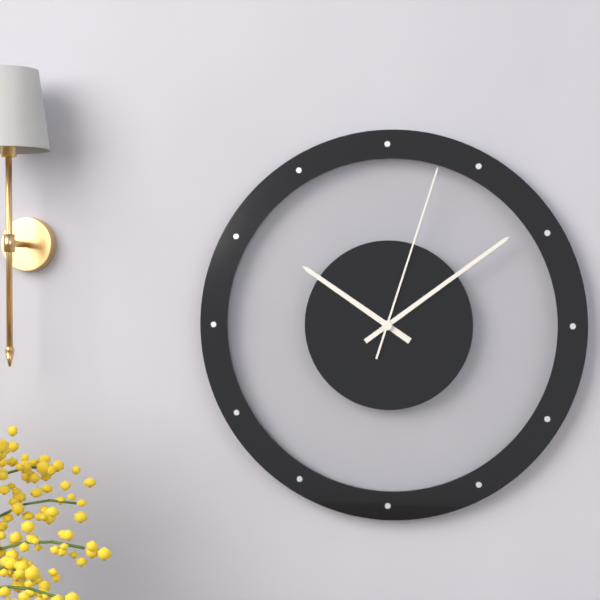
10:09:03
